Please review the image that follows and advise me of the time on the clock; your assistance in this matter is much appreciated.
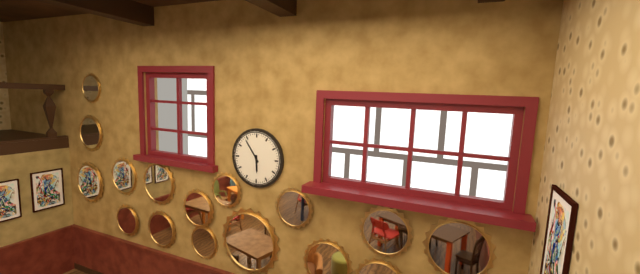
5:54
